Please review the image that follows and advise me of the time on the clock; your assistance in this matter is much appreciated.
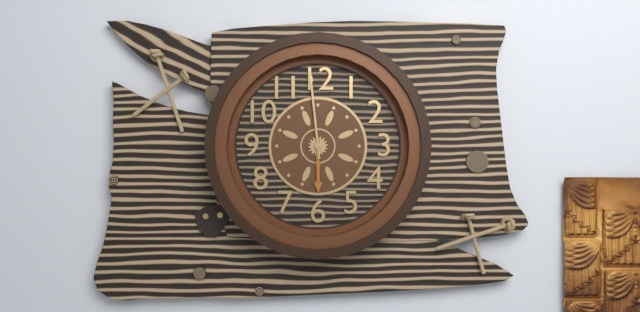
5:59
